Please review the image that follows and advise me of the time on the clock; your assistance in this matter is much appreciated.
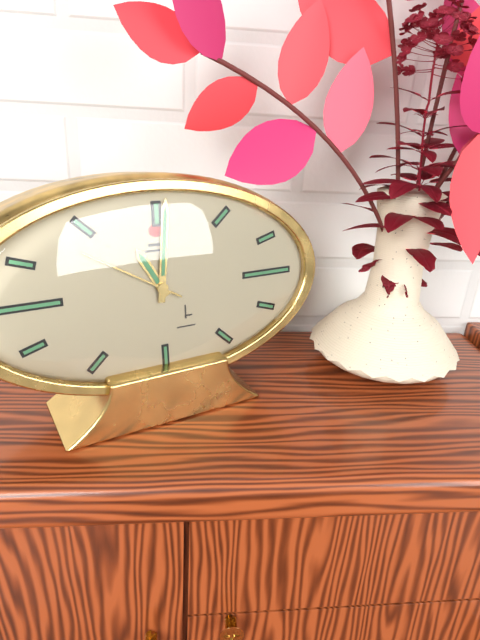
11:01:50
